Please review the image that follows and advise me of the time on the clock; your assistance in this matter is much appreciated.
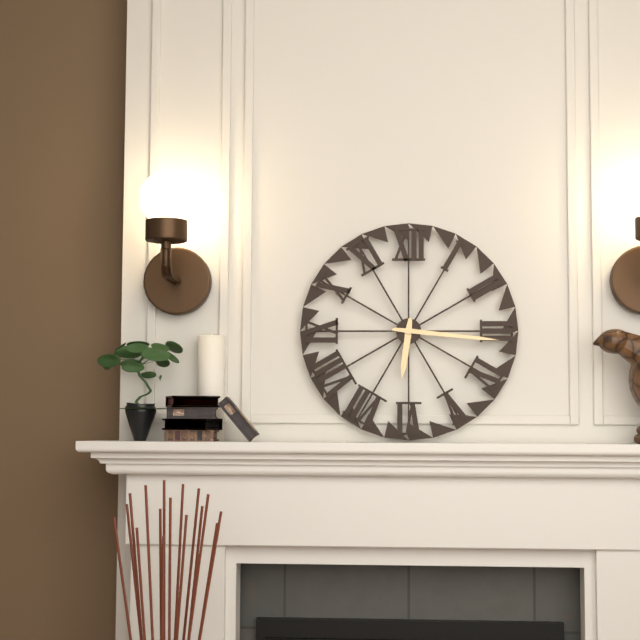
6:16
